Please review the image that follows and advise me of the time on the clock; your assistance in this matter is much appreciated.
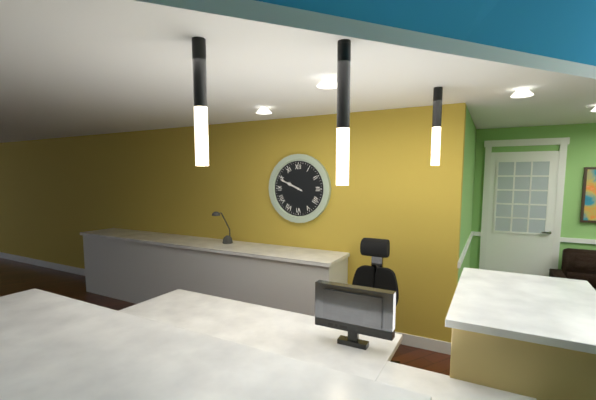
9:49
